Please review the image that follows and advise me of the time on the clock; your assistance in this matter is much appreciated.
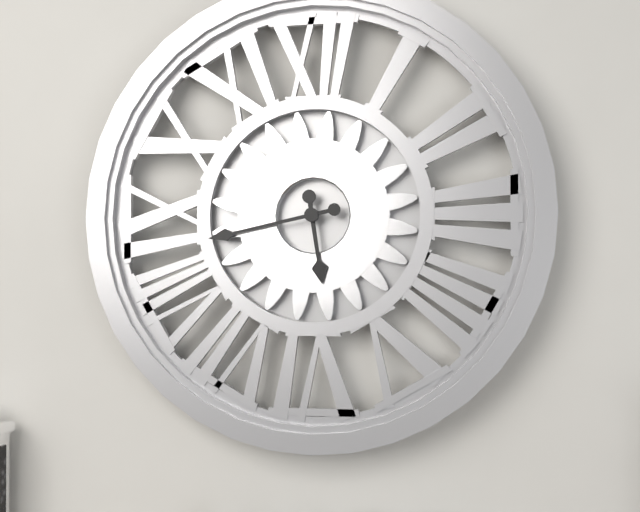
5:43
